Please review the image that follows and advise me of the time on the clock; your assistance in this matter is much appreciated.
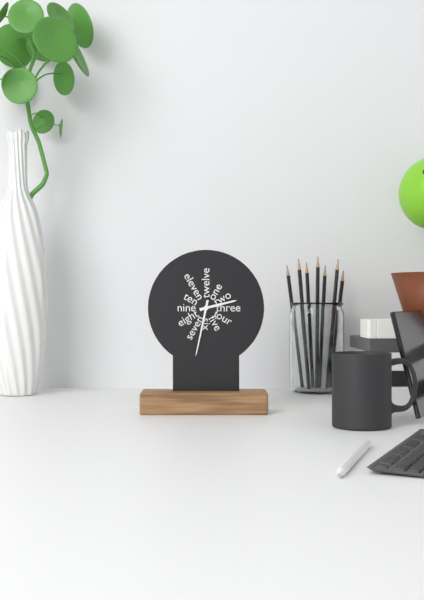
2:32
